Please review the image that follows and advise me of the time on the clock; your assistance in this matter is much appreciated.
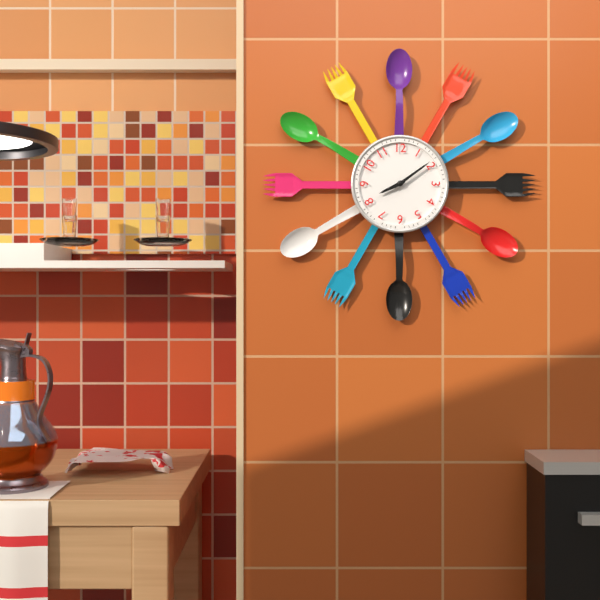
8:09
